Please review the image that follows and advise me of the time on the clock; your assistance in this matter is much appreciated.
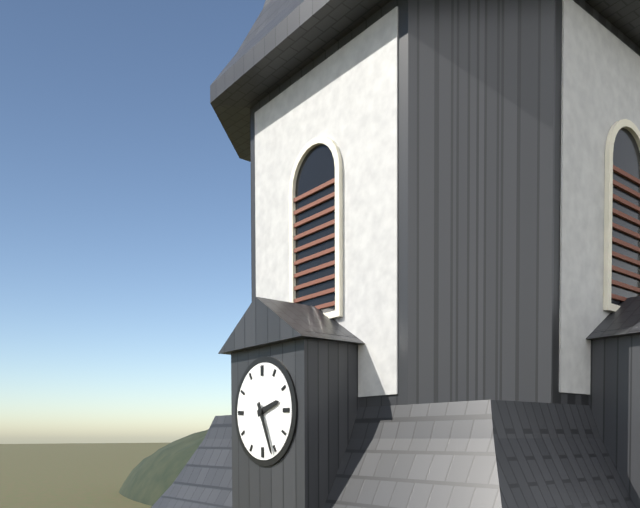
2:26
